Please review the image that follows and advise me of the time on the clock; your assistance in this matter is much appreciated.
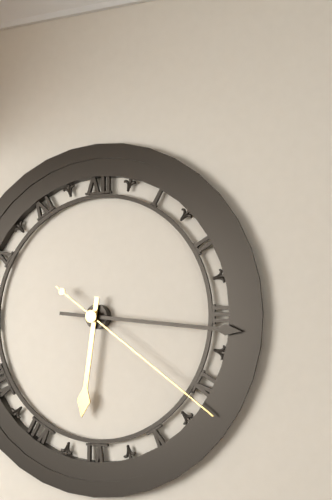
6:16:21
